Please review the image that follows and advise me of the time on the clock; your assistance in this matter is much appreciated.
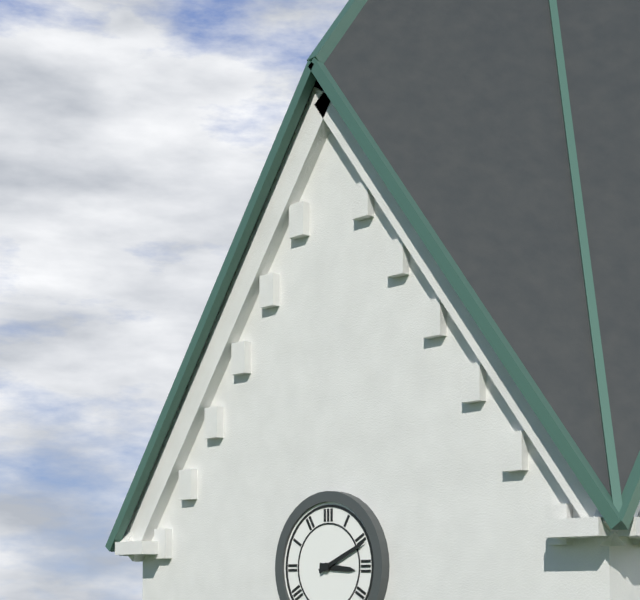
3:11
